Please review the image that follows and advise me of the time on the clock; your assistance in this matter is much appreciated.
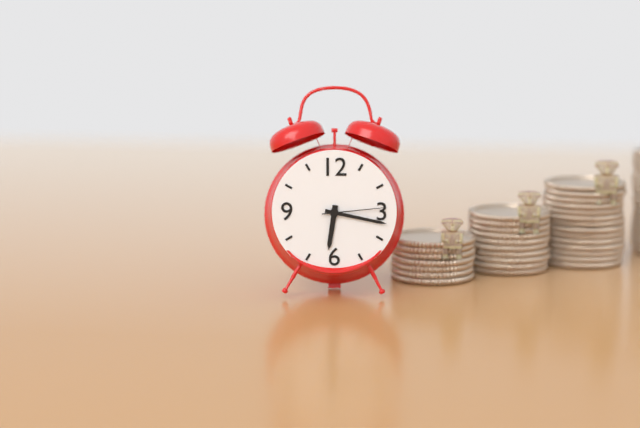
6:17:14
